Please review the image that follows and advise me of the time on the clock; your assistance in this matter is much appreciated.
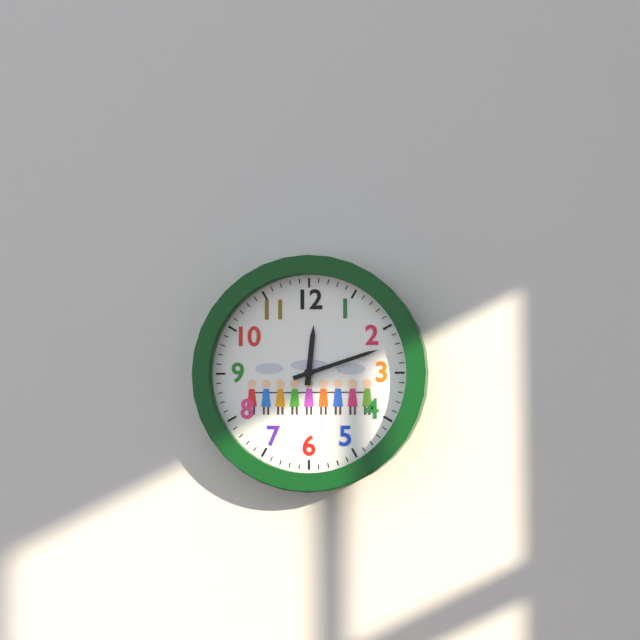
12:12
